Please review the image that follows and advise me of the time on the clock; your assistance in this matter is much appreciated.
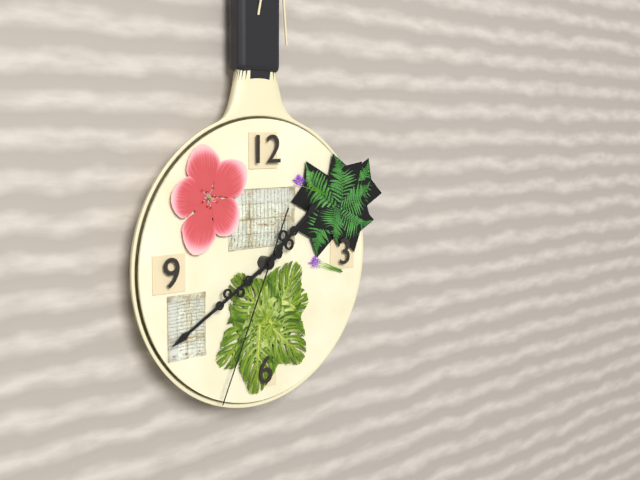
1:40:34
